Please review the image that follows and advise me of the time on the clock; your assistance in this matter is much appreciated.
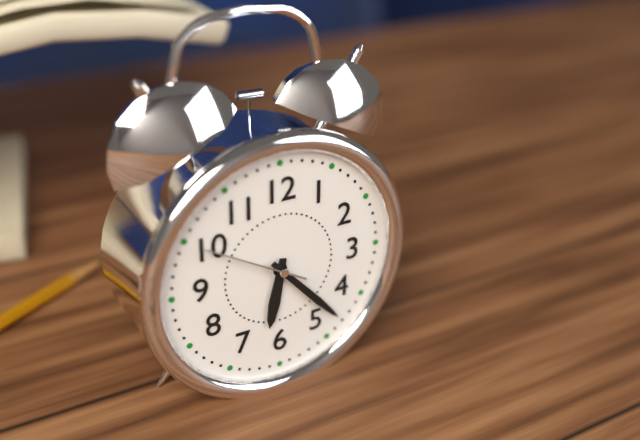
6:23:50
